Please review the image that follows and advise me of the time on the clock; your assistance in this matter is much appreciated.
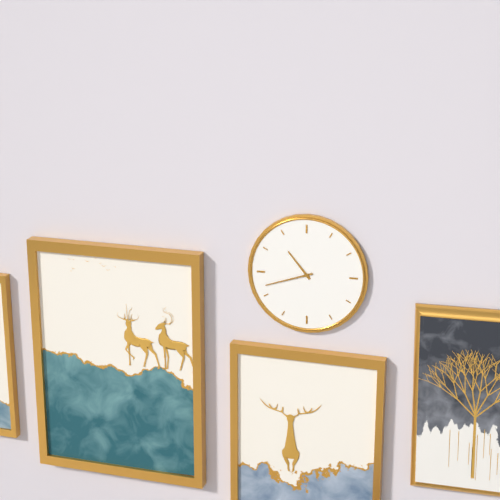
10:42
